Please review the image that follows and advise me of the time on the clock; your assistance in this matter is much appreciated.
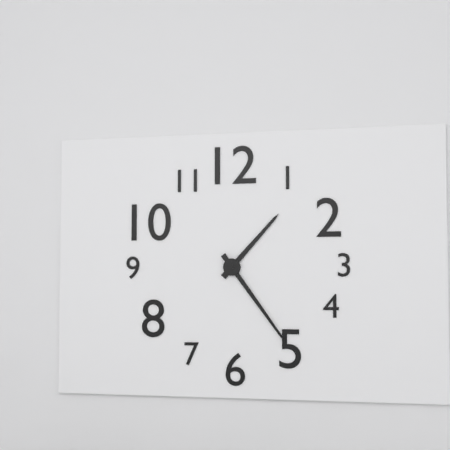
1:24
